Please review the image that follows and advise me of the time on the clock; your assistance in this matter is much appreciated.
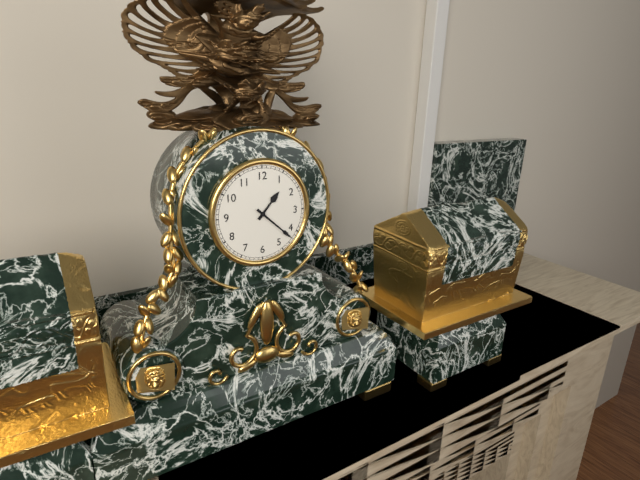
1:22
